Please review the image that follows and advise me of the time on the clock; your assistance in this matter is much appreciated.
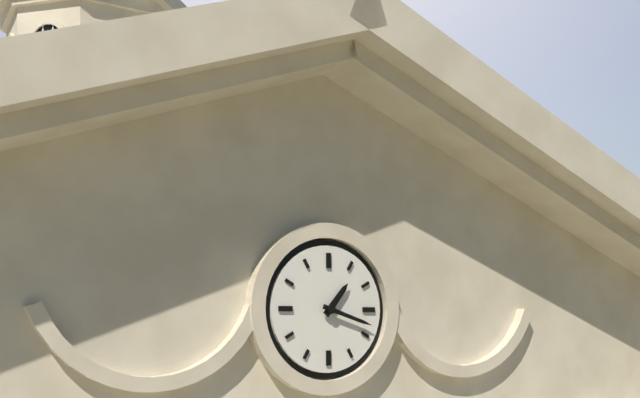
1:18
